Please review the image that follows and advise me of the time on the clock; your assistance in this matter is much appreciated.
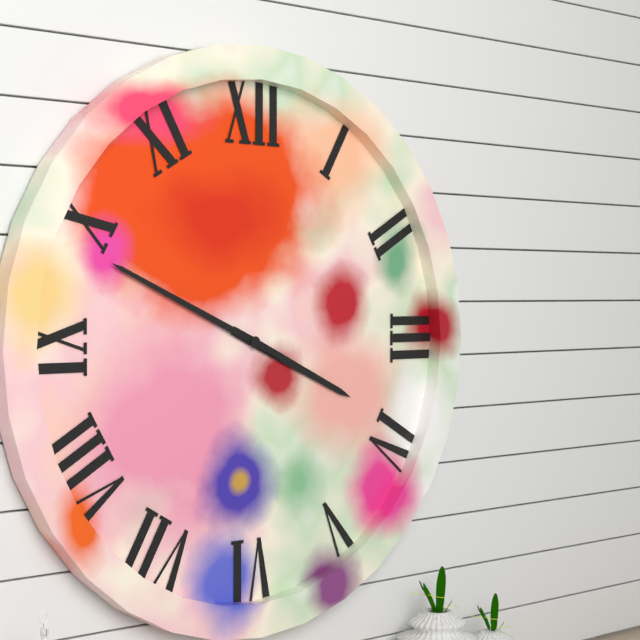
3:49
